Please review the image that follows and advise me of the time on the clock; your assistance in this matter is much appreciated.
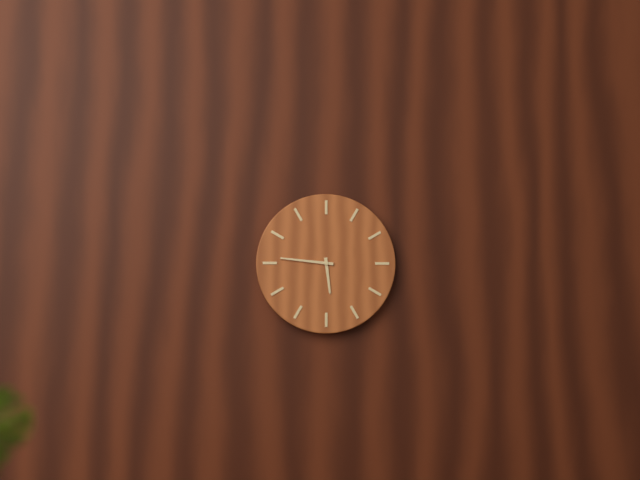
5:46
